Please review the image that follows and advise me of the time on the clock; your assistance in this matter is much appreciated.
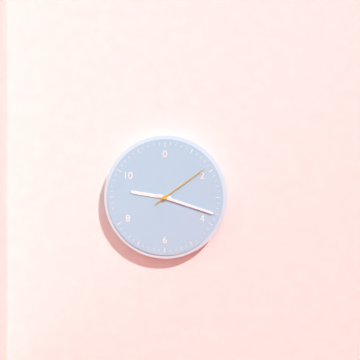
9:18:09
